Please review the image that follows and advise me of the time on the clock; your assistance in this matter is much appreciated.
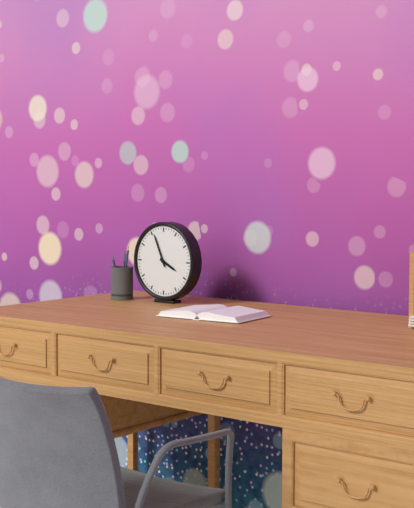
3:56
